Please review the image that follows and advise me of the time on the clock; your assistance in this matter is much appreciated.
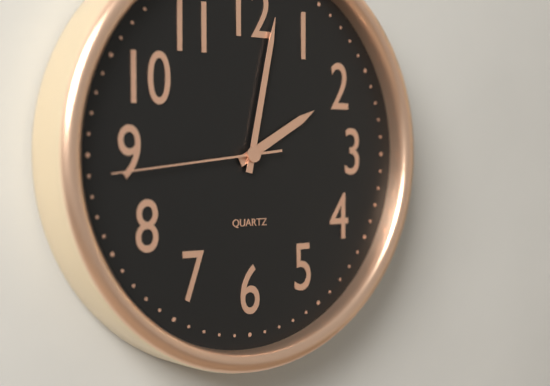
2:02:44
